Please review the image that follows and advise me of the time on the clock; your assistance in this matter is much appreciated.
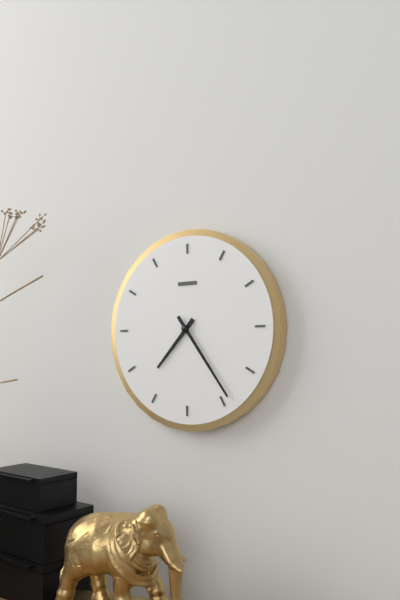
7:24
